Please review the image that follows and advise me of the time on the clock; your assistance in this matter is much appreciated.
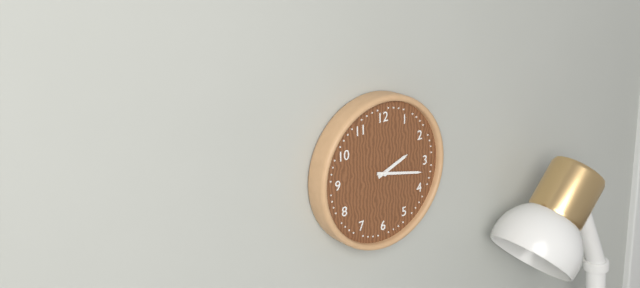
2:17
